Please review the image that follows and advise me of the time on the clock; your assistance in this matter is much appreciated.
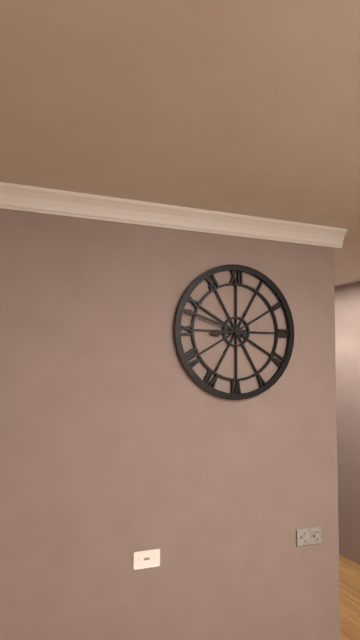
8:48
